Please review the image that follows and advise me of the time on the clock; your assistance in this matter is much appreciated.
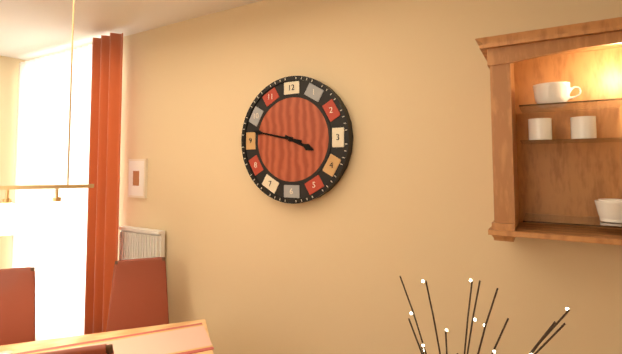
3:47
